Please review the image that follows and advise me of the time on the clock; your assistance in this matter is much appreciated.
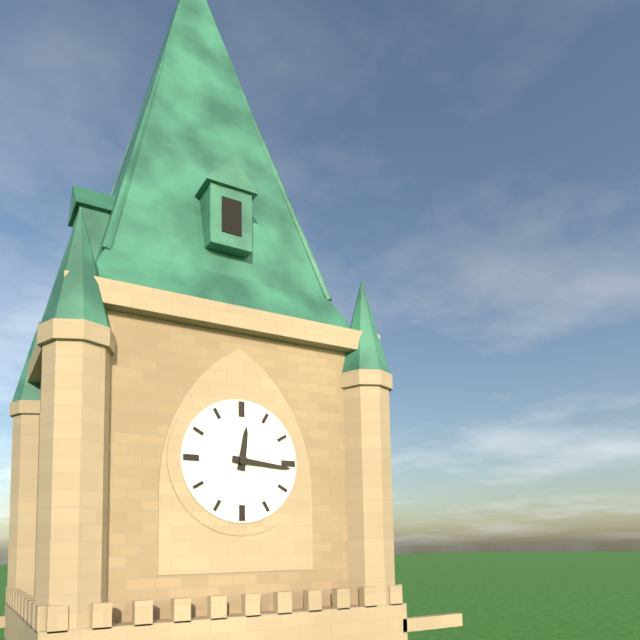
12:16
